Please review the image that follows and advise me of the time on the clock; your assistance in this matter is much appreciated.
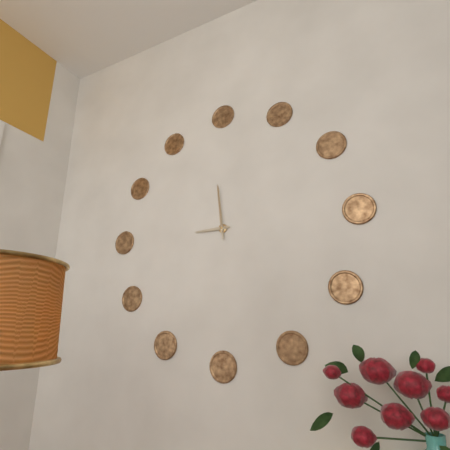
8:59
